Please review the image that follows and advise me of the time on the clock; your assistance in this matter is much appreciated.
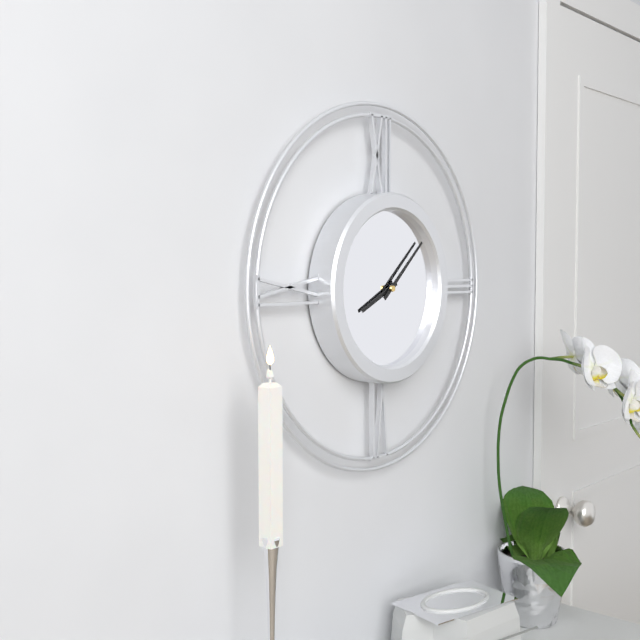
8:08
